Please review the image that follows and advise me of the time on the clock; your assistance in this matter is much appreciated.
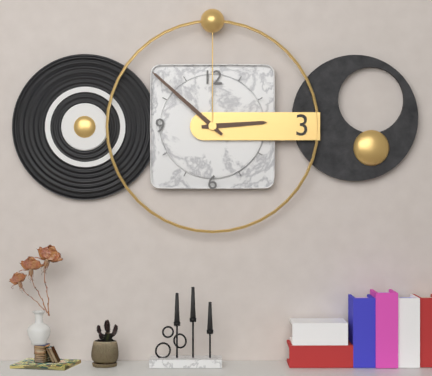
2:52
